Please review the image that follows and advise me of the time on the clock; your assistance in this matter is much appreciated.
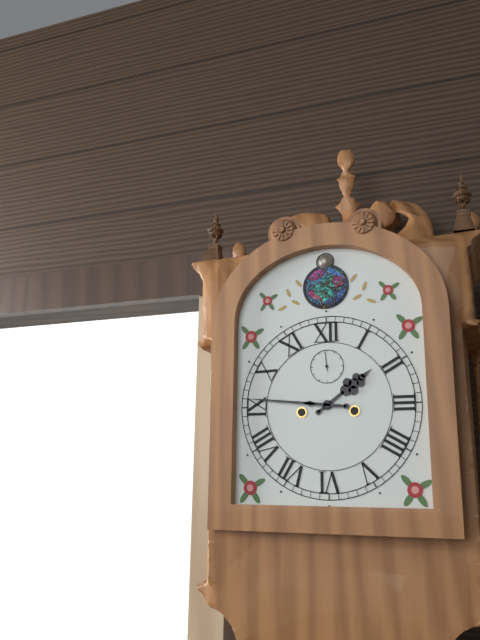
1:46
